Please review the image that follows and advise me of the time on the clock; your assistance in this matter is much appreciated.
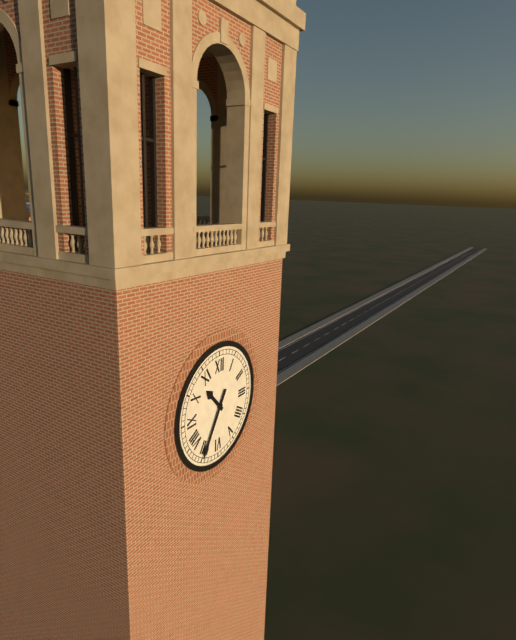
10:35
